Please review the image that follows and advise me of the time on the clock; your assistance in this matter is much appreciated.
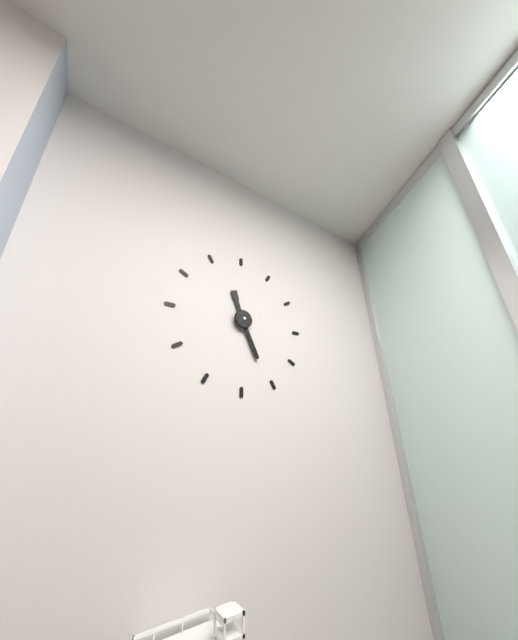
11:26
